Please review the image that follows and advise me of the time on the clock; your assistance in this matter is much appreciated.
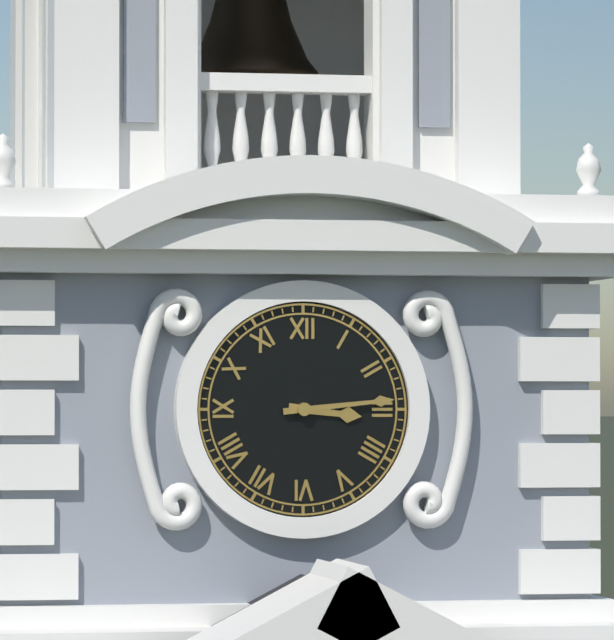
3:14
